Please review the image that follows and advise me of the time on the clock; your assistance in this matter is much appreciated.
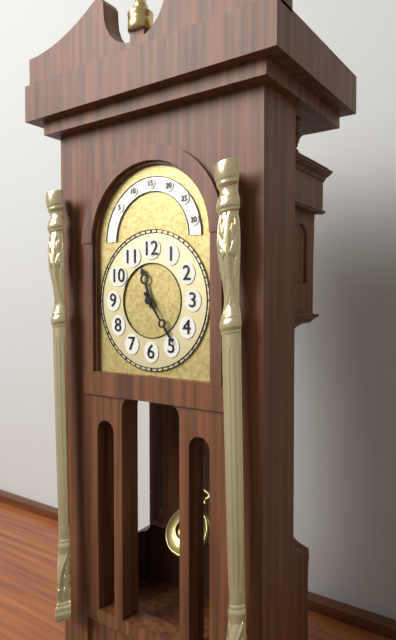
11:24
